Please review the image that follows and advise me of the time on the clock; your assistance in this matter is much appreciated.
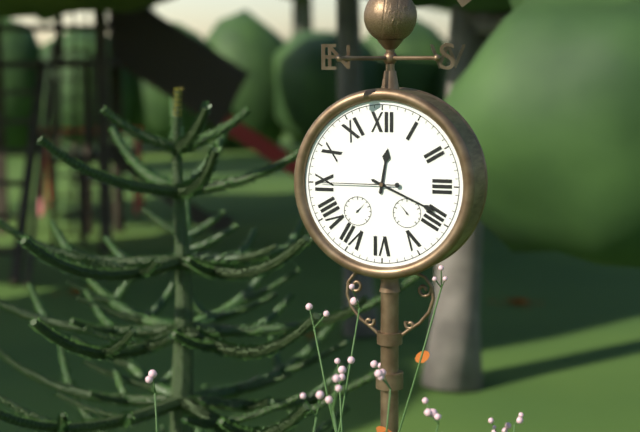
12:19:45
